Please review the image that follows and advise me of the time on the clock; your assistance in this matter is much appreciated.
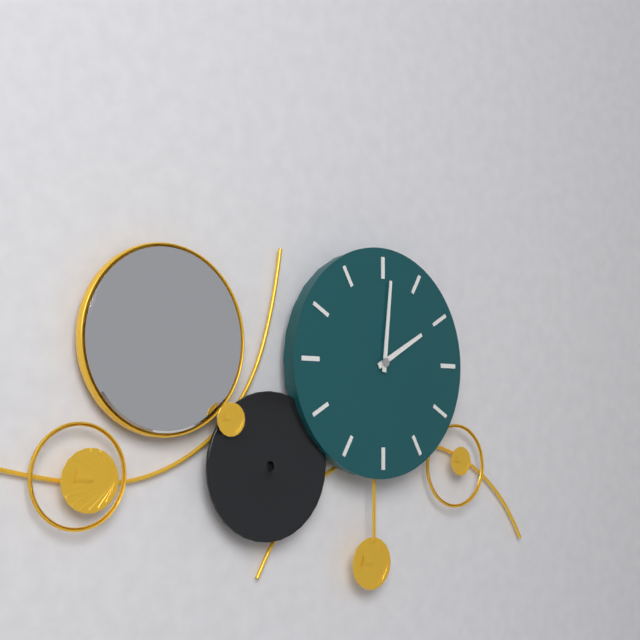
2:01
